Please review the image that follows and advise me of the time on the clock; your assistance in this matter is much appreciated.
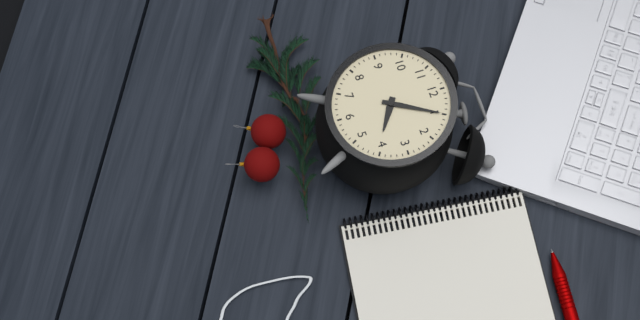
4:05
